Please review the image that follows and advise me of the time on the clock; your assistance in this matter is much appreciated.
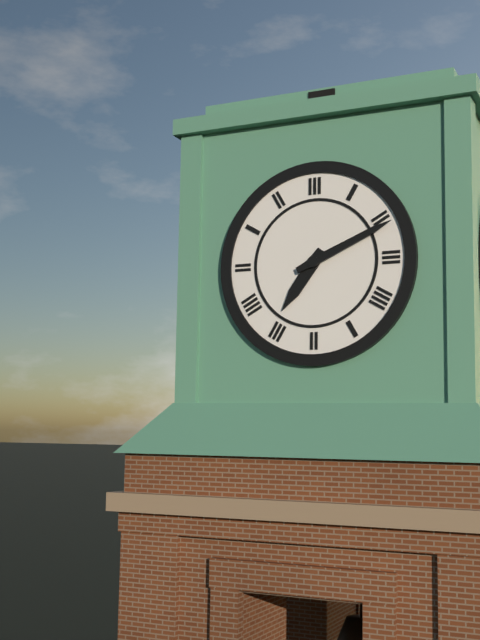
7:11
